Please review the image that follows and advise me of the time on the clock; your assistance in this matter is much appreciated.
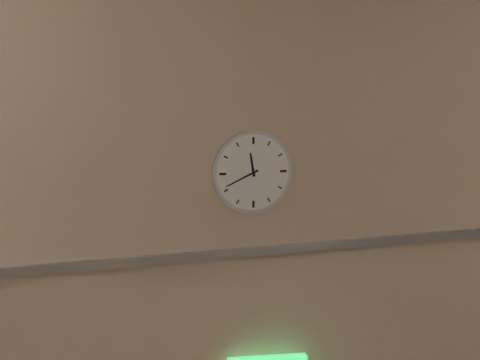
11:41
